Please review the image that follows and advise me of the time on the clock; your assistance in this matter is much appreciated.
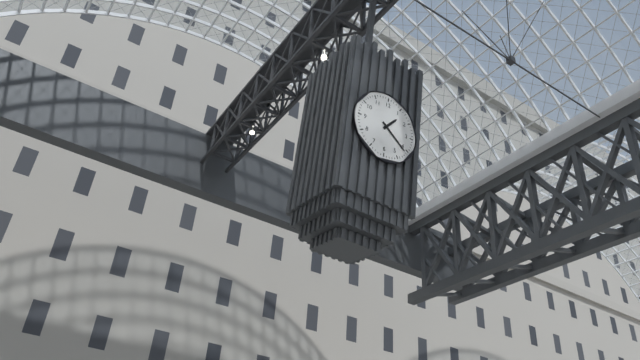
1:21
